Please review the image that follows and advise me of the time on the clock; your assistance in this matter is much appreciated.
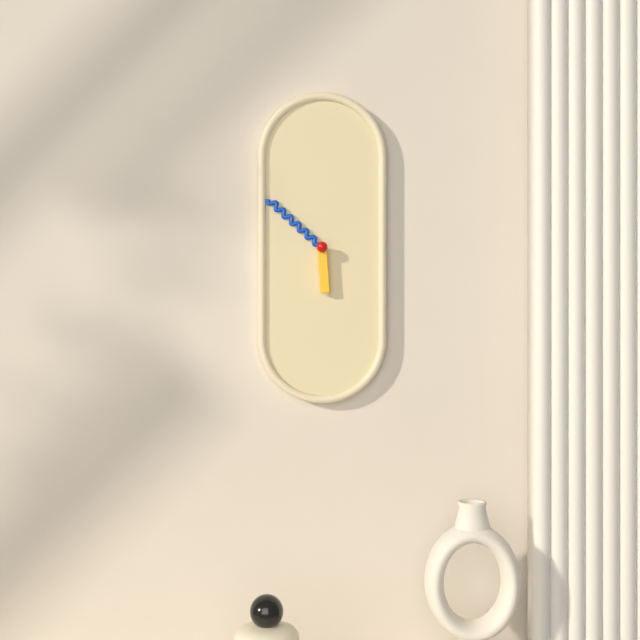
5:52
